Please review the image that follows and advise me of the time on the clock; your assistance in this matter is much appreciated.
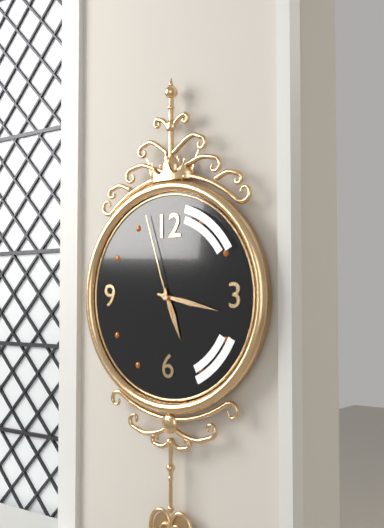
5:17:57
